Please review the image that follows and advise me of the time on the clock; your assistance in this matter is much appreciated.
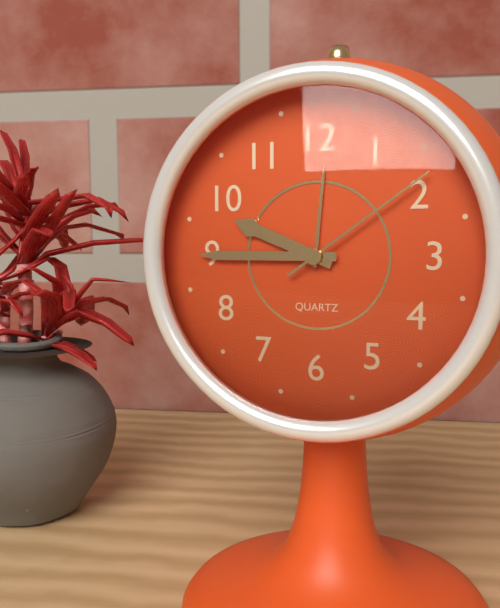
9:45:09
